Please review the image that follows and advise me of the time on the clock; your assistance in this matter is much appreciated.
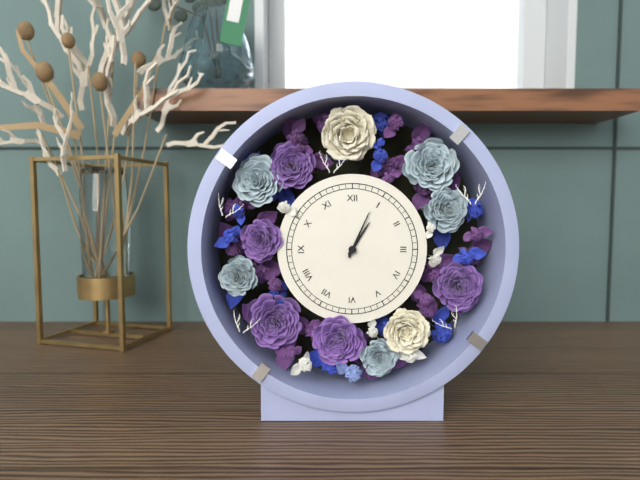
1:04
